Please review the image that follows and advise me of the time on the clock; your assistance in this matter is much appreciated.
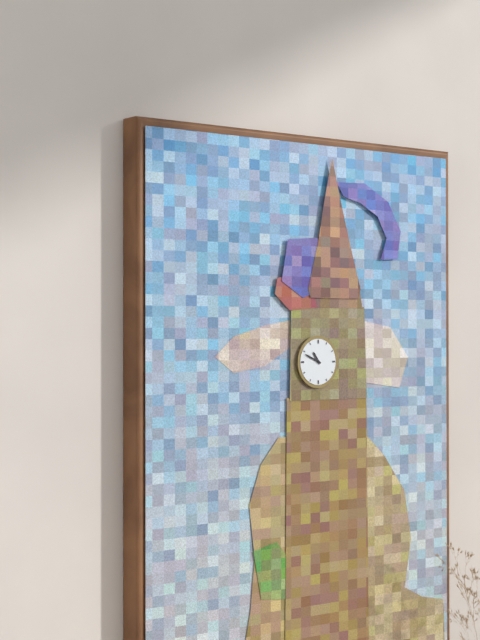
10:49
